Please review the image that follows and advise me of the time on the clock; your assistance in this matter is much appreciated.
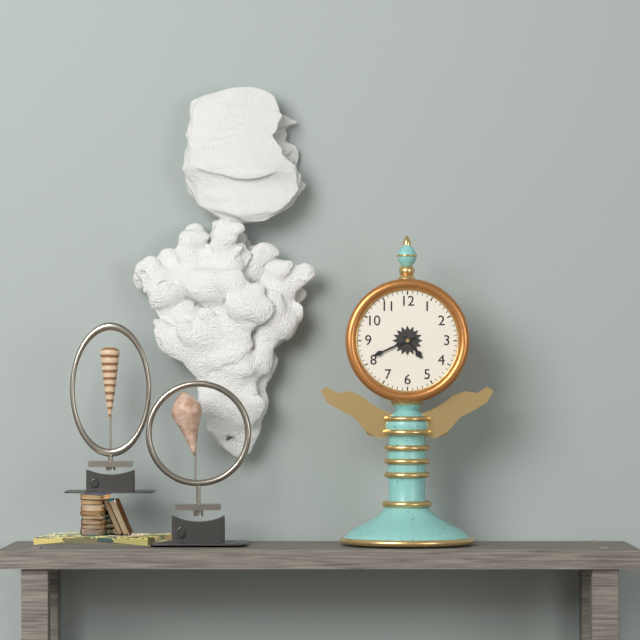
4:41
